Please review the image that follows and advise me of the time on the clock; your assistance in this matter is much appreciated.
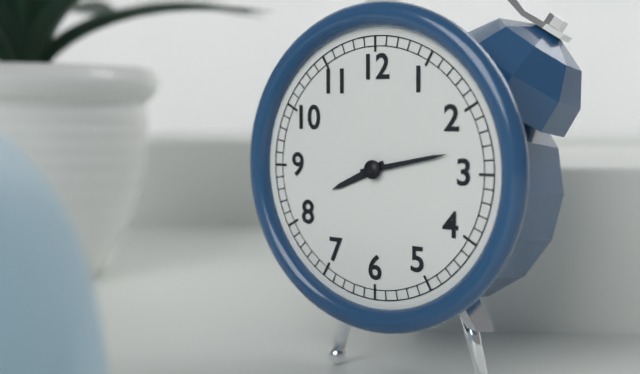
8:13
